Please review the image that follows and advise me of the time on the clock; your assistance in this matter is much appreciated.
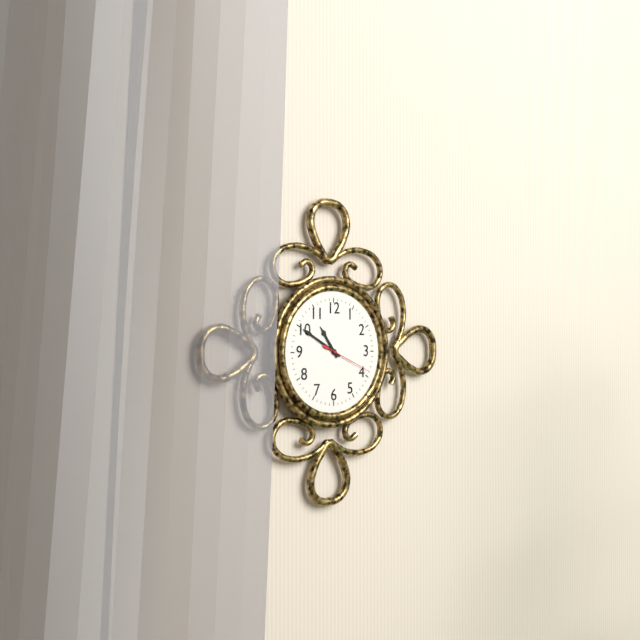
10:50
